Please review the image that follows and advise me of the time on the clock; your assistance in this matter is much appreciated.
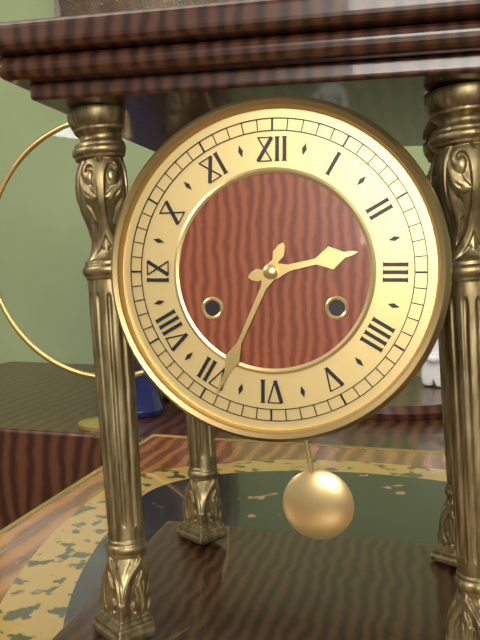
2:34
